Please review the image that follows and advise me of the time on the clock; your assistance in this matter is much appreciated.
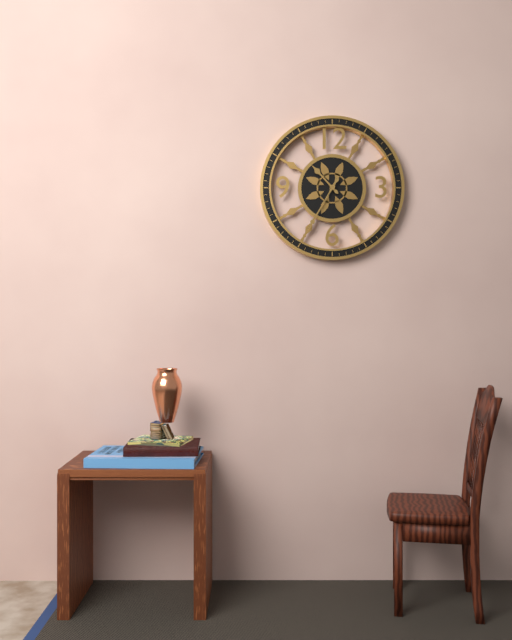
10:35
